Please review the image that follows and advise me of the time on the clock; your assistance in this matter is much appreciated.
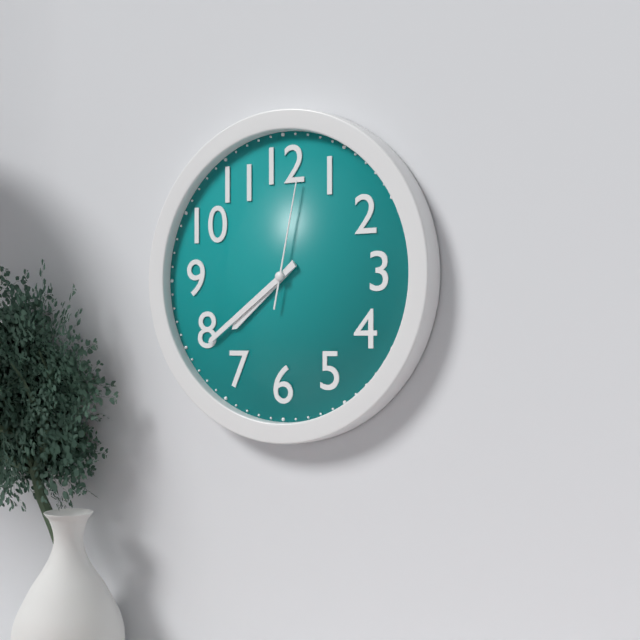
7:39:02
